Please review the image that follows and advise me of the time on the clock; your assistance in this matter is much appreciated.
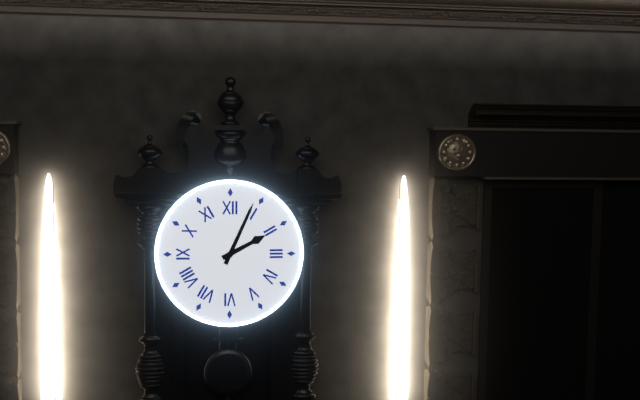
2:04
